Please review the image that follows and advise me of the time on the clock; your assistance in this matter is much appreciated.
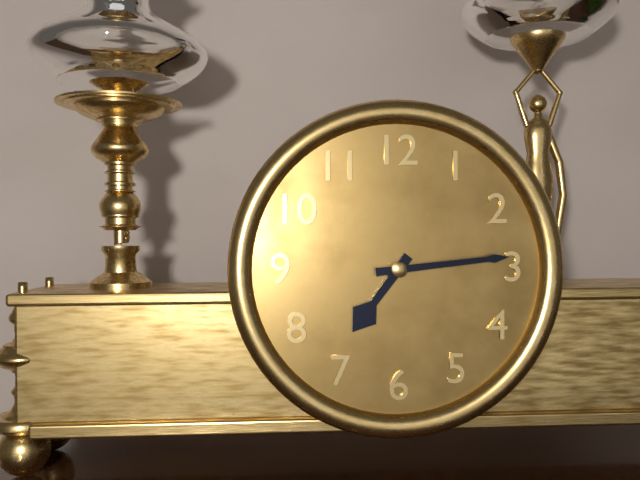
7:14
